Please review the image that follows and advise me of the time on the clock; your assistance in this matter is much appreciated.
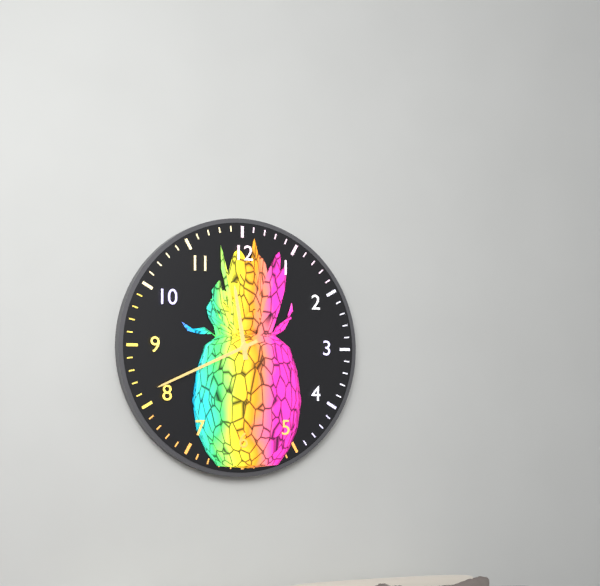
11:41
